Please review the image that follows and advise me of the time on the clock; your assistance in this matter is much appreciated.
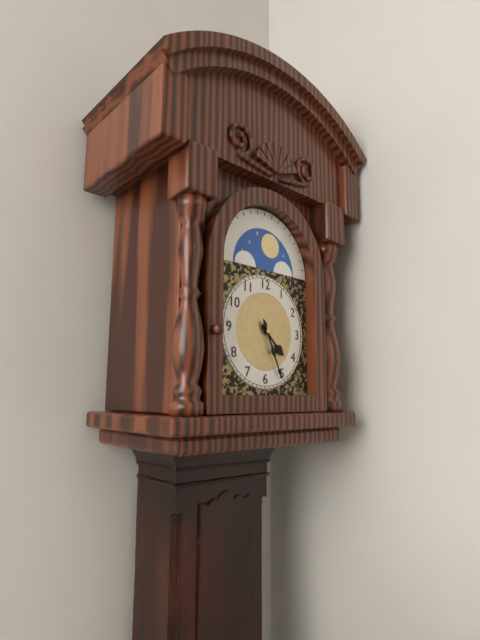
4:26
